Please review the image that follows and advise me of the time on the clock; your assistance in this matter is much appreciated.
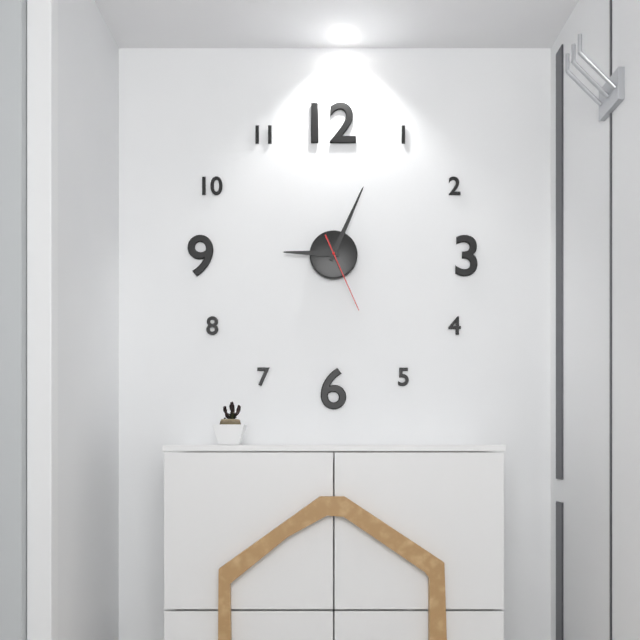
9:04:26
